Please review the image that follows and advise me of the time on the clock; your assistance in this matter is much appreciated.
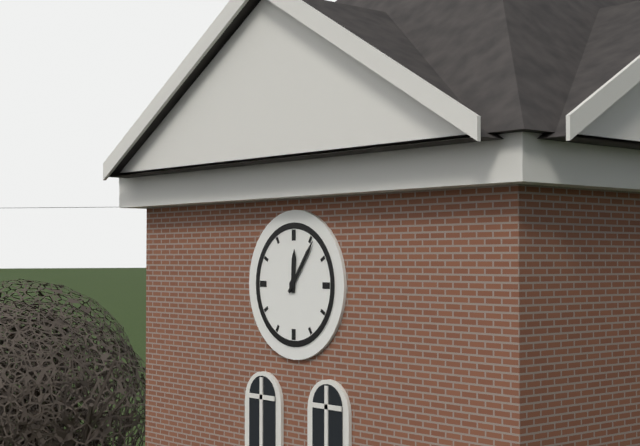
12:06
